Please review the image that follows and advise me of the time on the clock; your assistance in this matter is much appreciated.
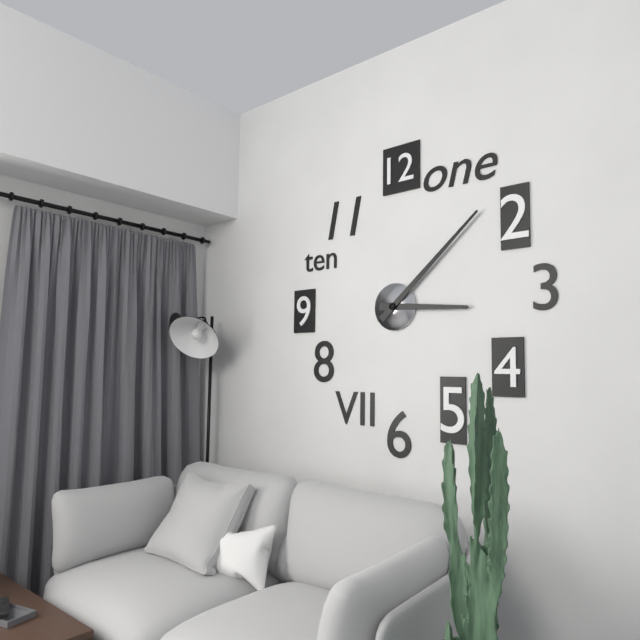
3:08
